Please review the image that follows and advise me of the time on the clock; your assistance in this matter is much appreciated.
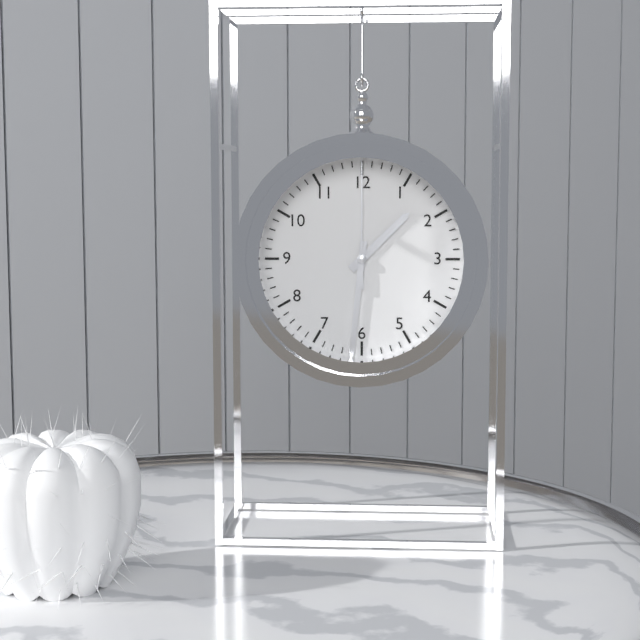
1:31:00
